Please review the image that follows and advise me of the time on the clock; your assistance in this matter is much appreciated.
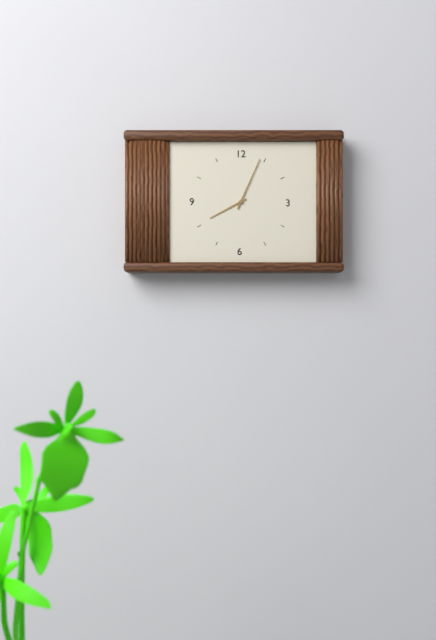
8:04
